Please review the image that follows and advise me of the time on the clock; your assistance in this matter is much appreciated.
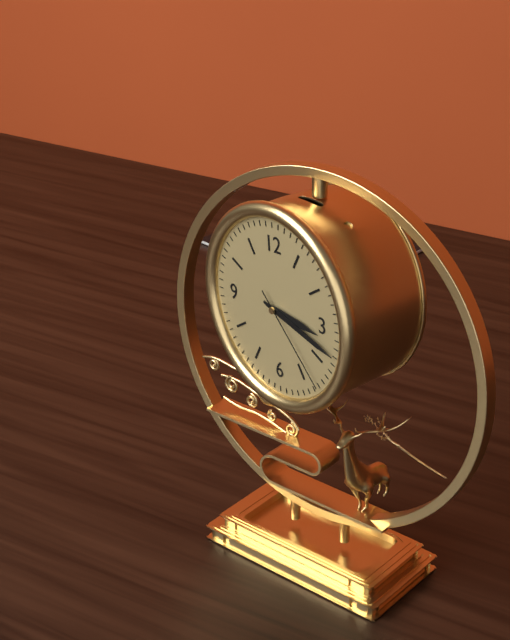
3:18:23
